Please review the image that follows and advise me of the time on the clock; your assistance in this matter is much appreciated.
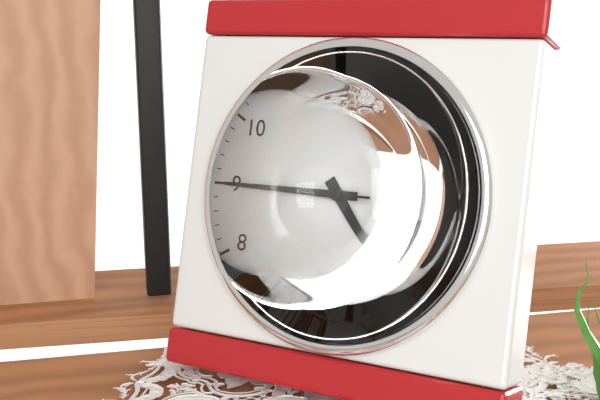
4:45:45
